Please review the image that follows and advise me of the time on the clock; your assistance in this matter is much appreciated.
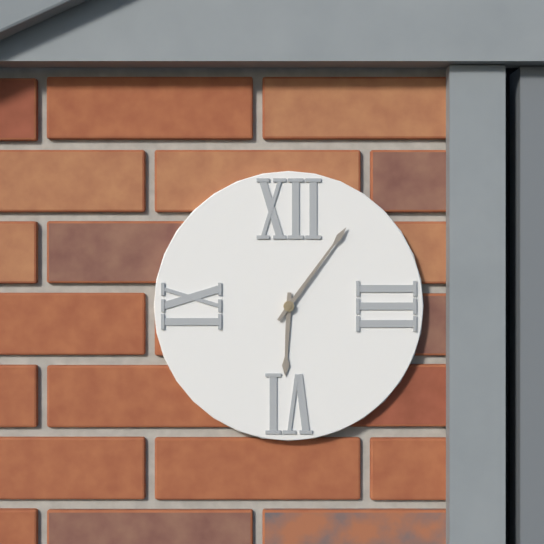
6:06
